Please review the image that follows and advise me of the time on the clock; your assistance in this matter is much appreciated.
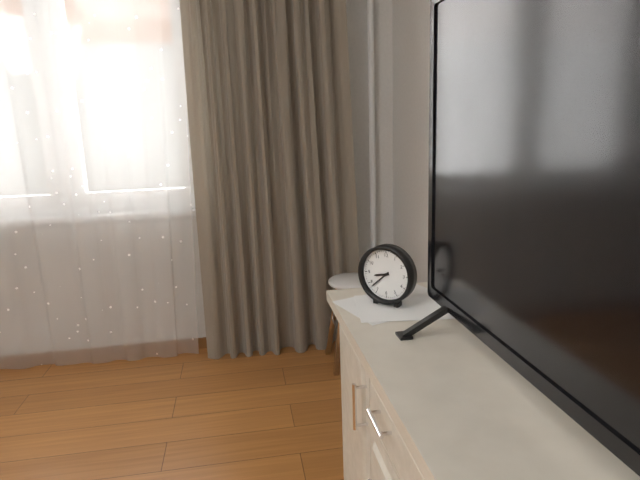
8:38
